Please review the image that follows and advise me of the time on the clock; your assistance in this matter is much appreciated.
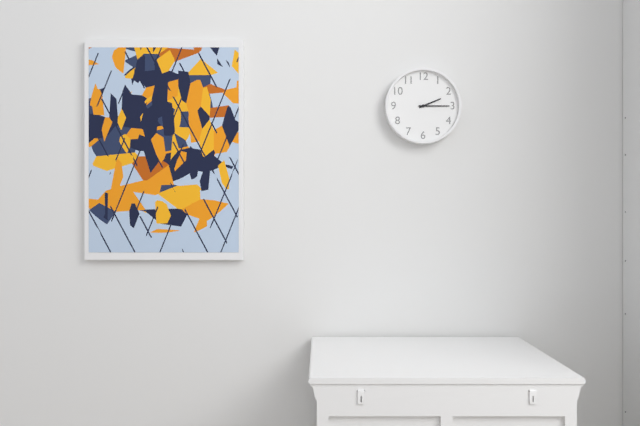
2:15
